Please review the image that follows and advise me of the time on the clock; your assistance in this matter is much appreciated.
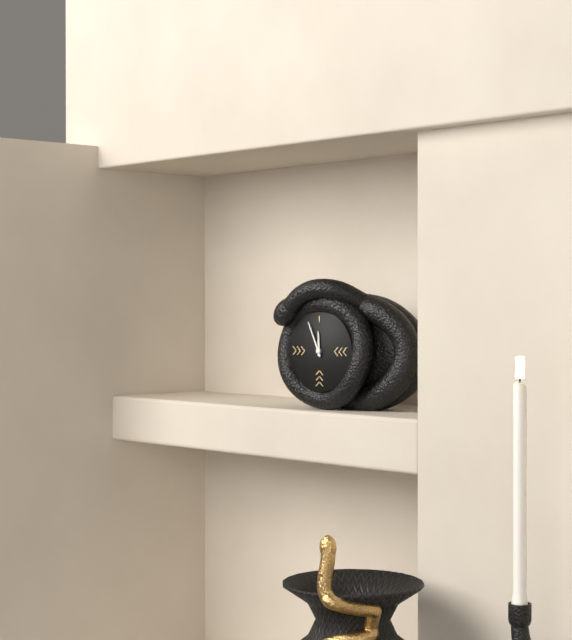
11:56
